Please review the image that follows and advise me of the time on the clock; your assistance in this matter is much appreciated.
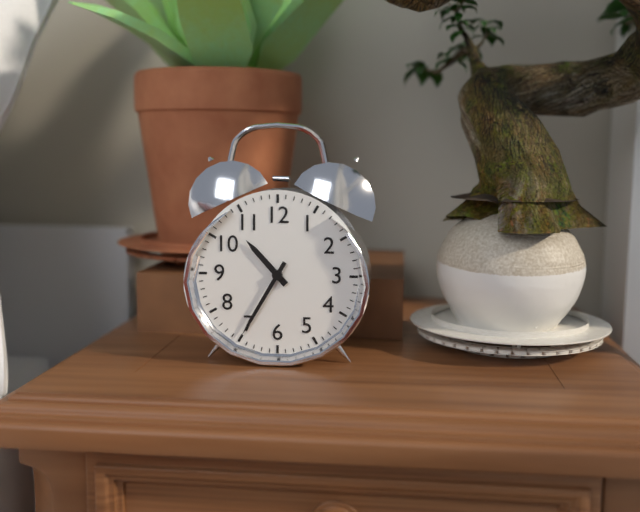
10:35
